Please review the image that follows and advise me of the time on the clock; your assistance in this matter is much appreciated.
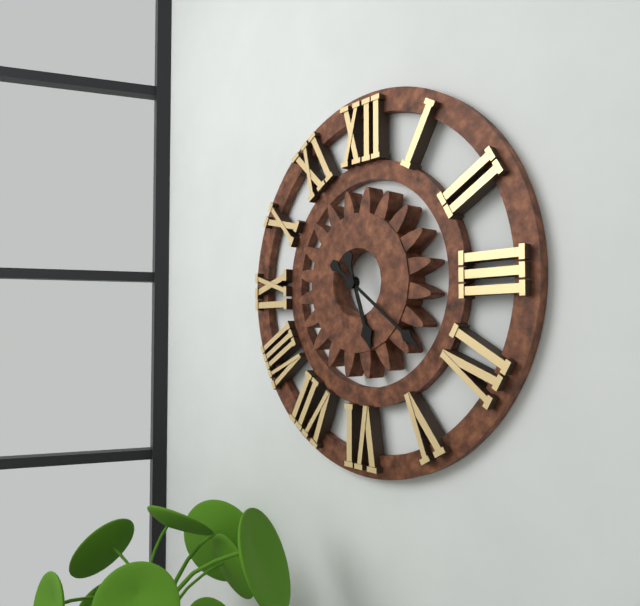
5:21
